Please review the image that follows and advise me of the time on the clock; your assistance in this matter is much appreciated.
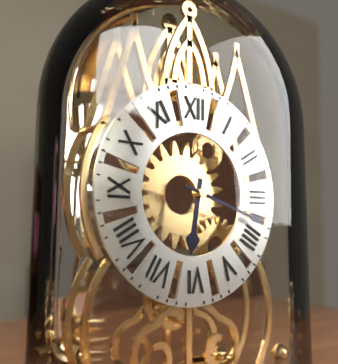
6:18
